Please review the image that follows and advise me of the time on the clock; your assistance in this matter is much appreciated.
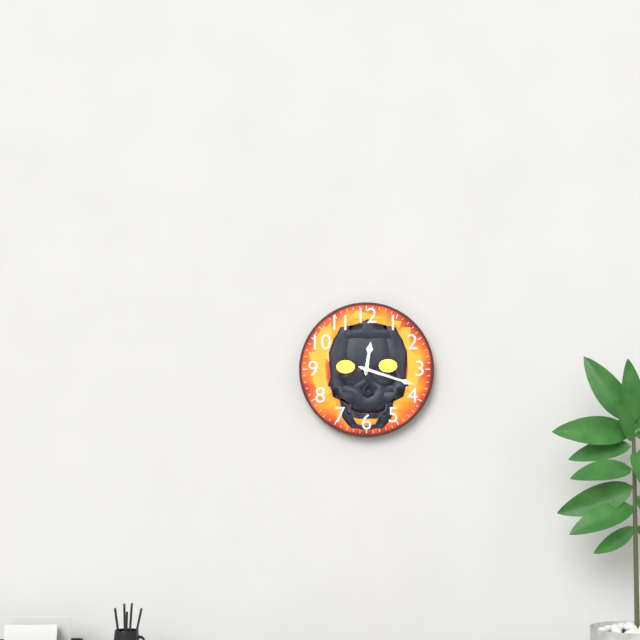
12:18
